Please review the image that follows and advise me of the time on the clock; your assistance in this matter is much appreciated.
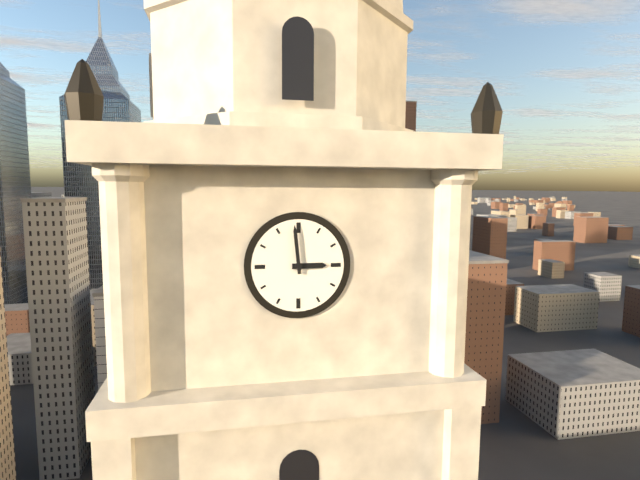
2:59
